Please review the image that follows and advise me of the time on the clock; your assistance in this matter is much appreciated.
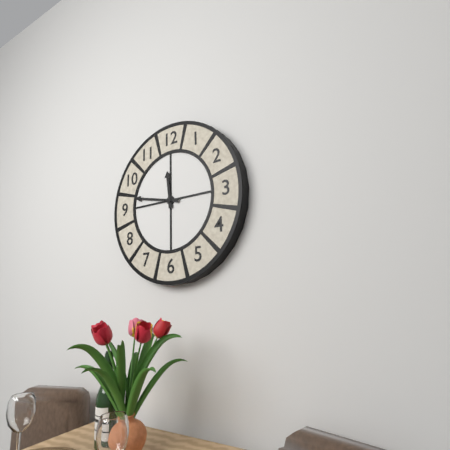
11:47
